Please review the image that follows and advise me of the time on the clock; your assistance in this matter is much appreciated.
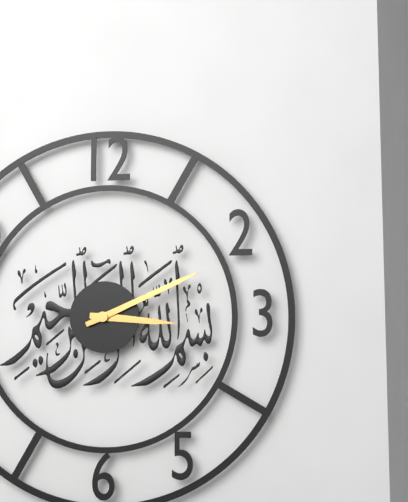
3:11
